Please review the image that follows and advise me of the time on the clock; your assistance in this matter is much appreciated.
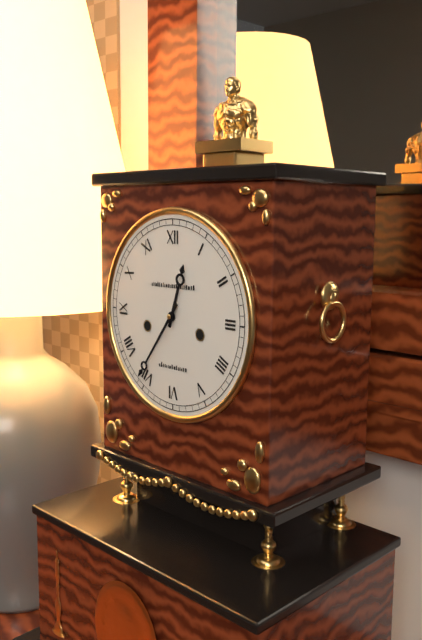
12:36
